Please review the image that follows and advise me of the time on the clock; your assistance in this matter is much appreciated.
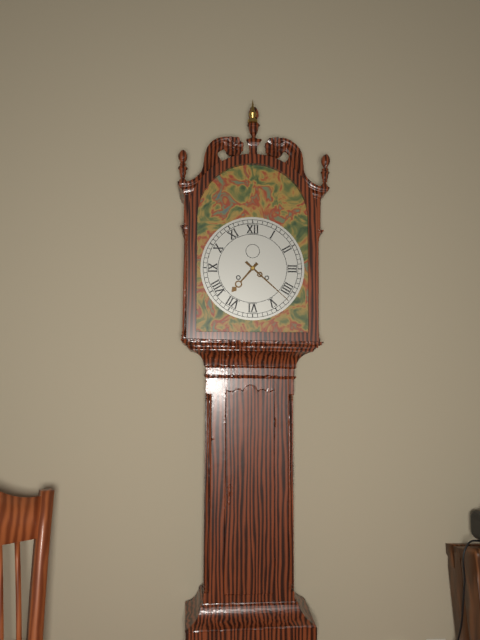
7:22
